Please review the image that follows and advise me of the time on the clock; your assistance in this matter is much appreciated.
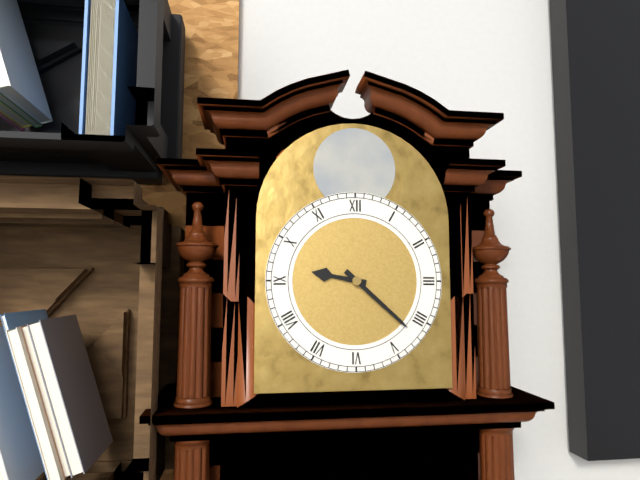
9:22
